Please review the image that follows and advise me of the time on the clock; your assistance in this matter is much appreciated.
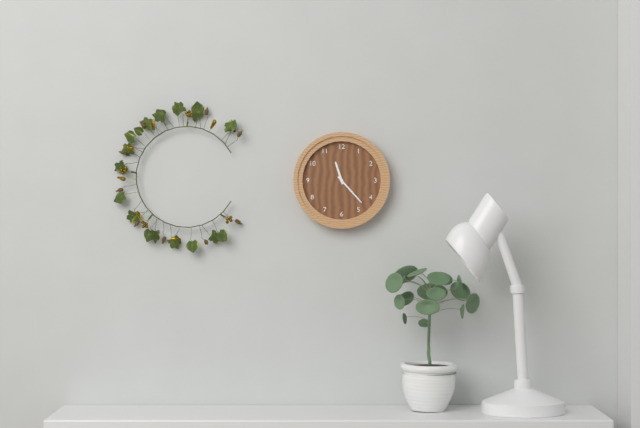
11:23
